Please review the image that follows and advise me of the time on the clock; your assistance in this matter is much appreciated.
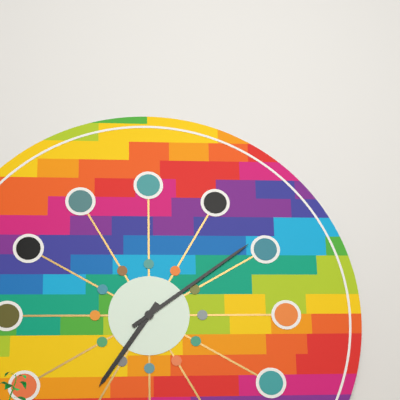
7:09
